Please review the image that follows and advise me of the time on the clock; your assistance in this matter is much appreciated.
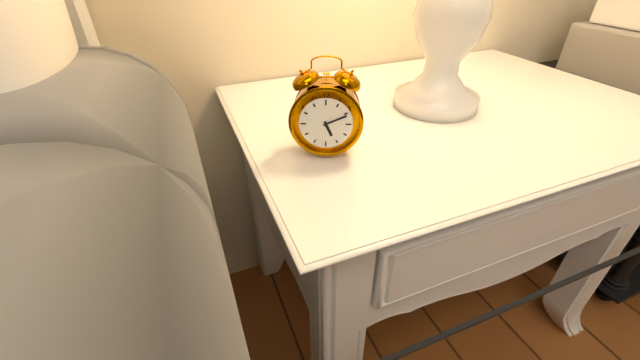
5:11
